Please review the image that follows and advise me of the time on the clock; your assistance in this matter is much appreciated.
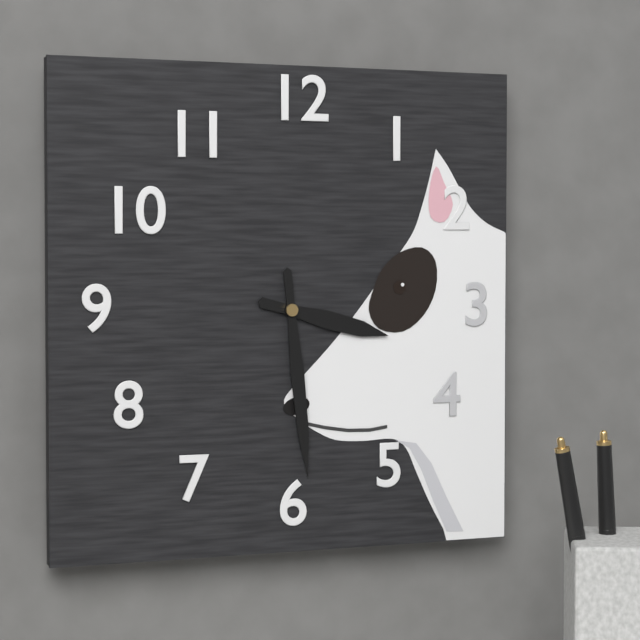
3:29
